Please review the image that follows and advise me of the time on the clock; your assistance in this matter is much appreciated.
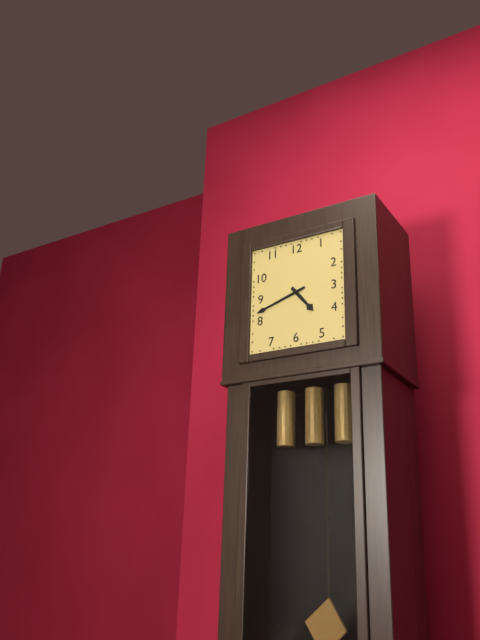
4:42
